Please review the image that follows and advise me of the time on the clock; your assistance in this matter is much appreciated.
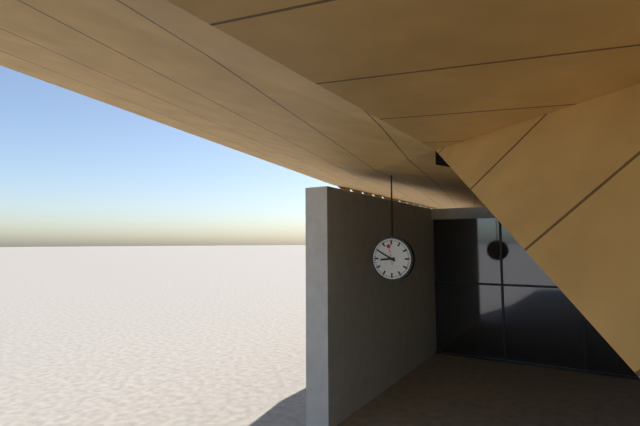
8:50
